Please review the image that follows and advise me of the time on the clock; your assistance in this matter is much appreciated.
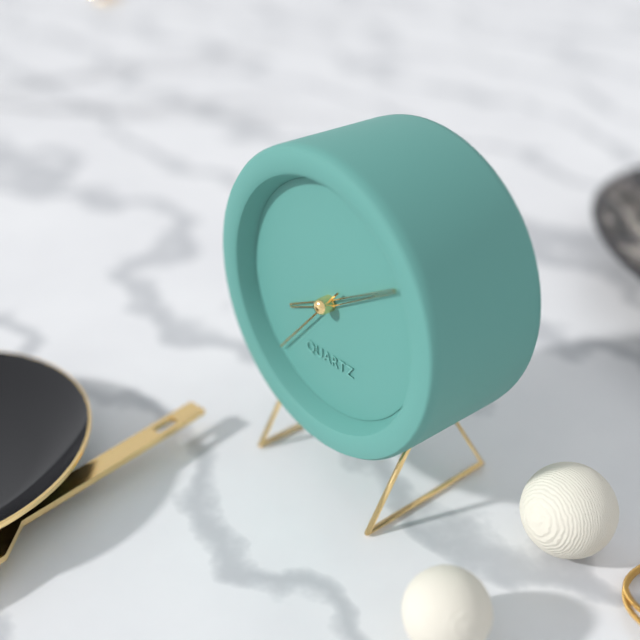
8:10:37
